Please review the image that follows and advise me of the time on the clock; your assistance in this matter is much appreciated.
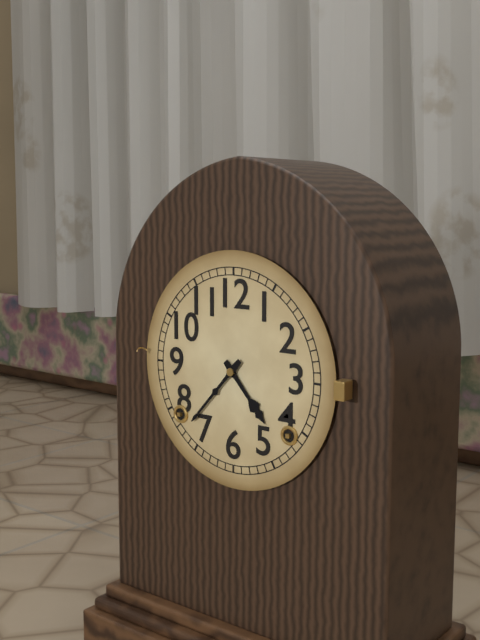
4:37
